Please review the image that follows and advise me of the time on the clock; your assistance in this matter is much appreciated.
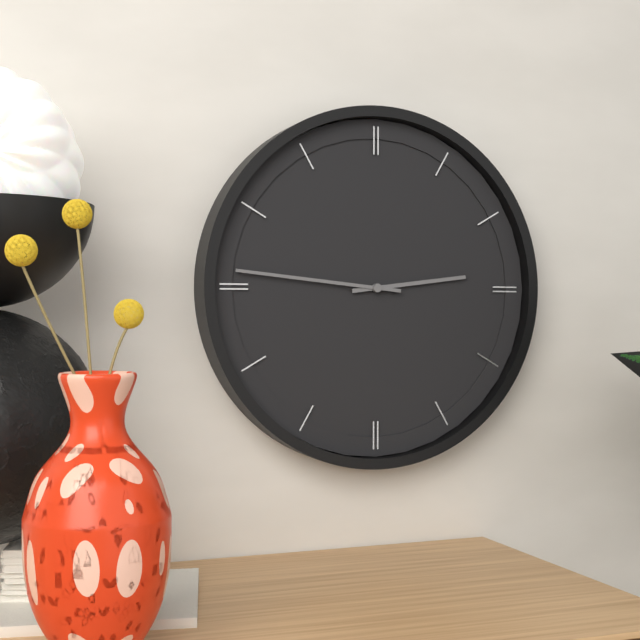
2:46
